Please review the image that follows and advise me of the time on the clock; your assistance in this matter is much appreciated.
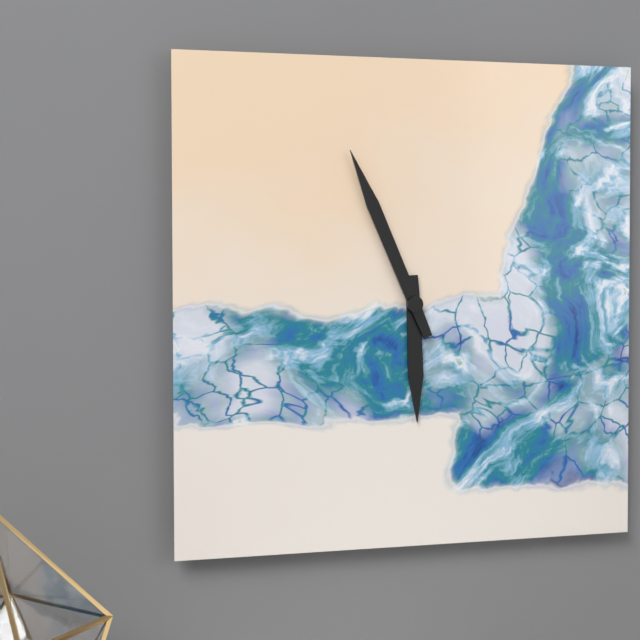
5:56
